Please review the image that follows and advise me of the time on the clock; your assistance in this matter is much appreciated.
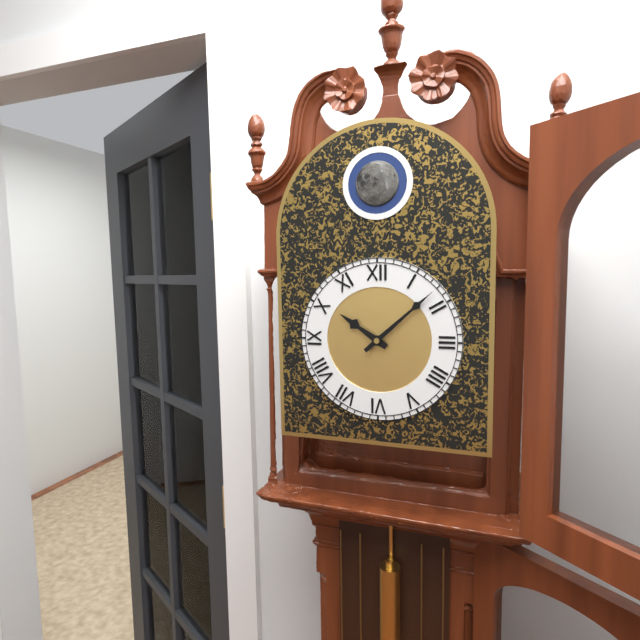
10:08
